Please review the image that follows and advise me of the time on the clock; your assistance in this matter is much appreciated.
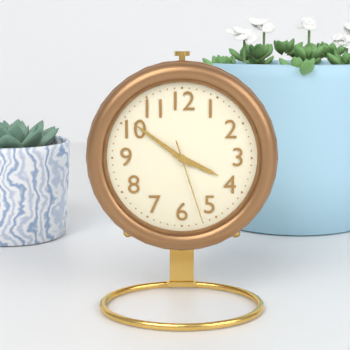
3:51:27
